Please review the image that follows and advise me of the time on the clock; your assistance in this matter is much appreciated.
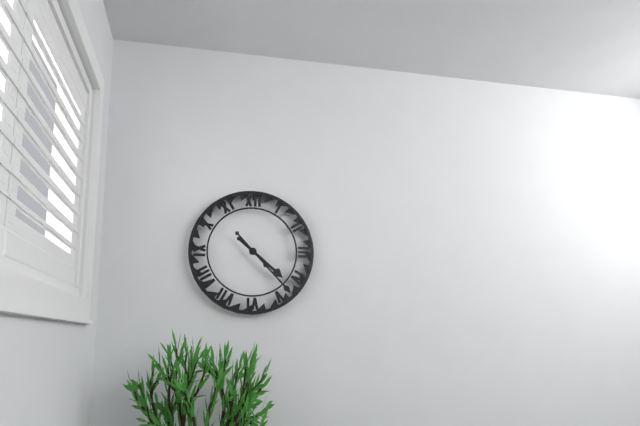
4:23
